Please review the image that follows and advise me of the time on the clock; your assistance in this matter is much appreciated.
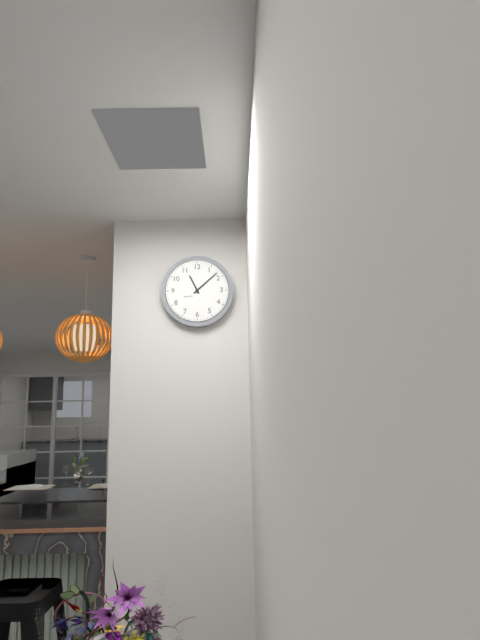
11:08
